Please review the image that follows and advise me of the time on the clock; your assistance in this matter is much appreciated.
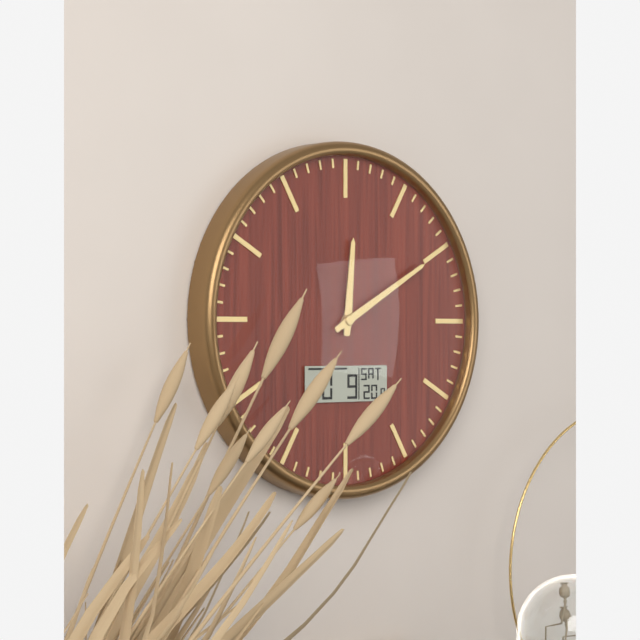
12:10
